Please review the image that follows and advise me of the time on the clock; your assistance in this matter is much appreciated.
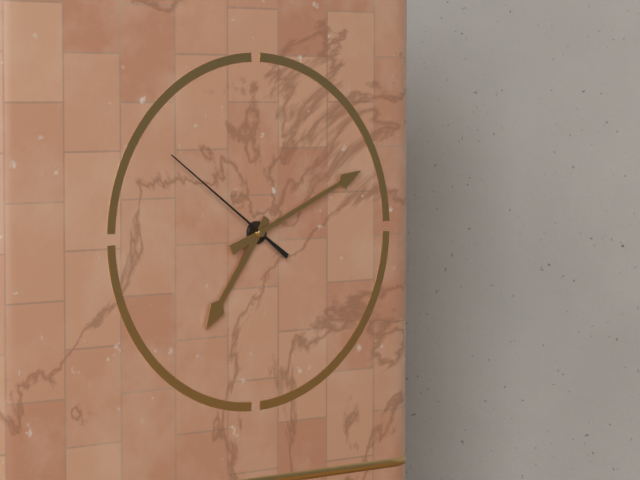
7:11:51
